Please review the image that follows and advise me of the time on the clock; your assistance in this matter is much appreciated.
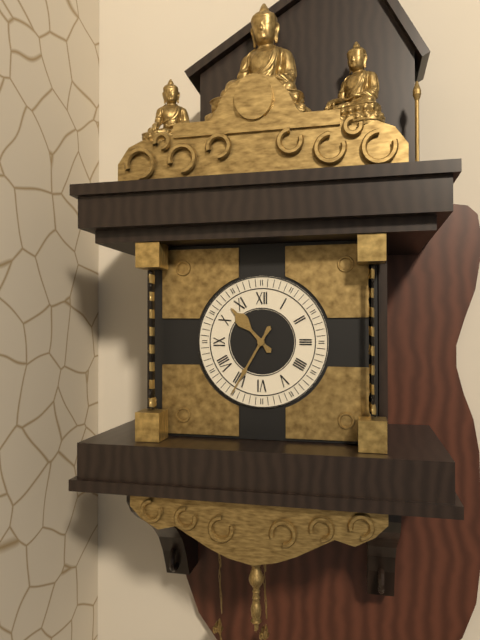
10:35
